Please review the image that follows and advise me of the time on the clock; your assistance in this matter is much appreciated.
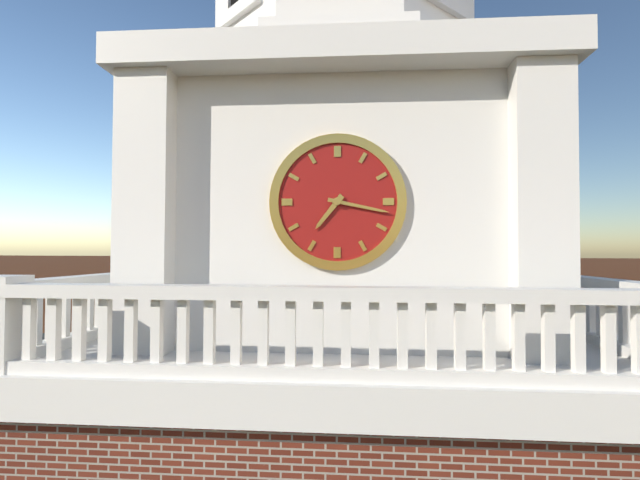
7:17
